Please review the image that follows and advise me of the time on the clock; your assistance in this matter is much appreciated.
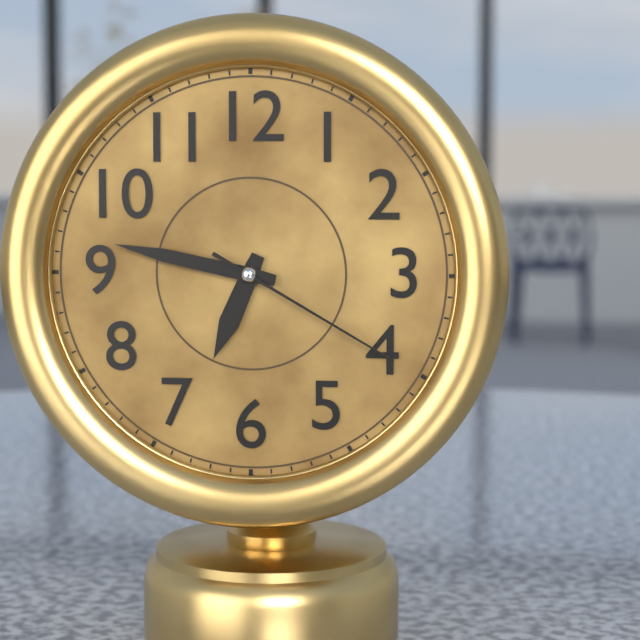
6:47:20
